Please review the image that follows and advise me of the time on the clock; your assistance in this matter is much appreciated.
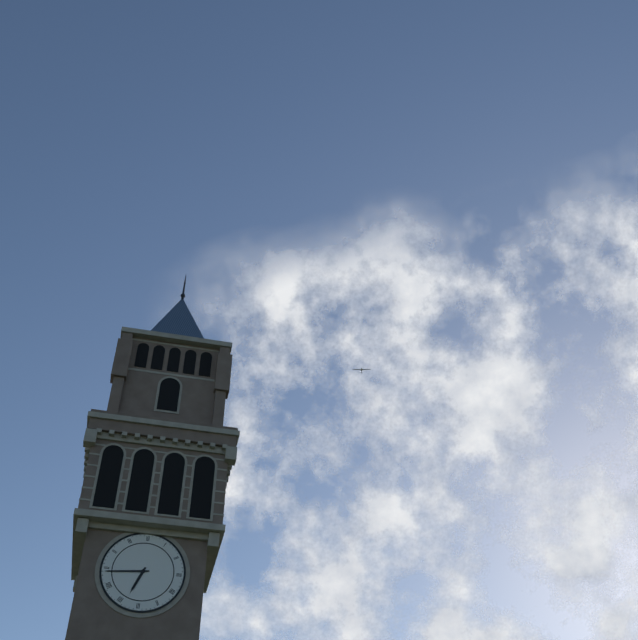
6:44
